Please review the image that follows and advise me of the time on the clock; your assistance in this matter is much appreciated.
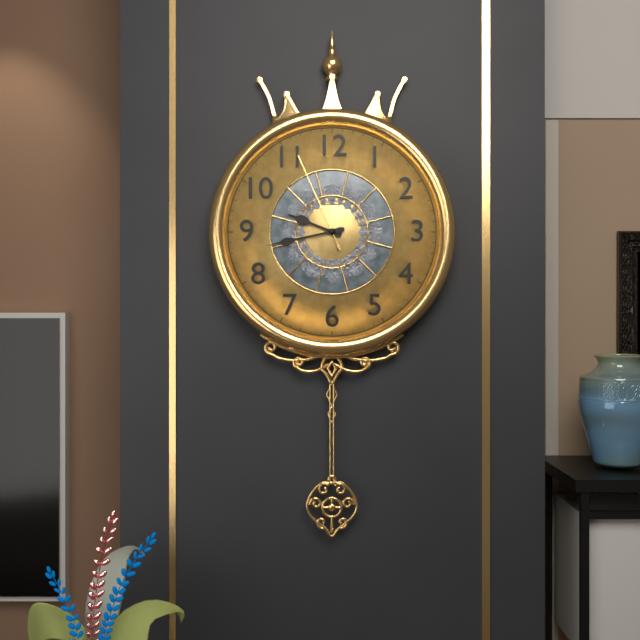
9:43:56
